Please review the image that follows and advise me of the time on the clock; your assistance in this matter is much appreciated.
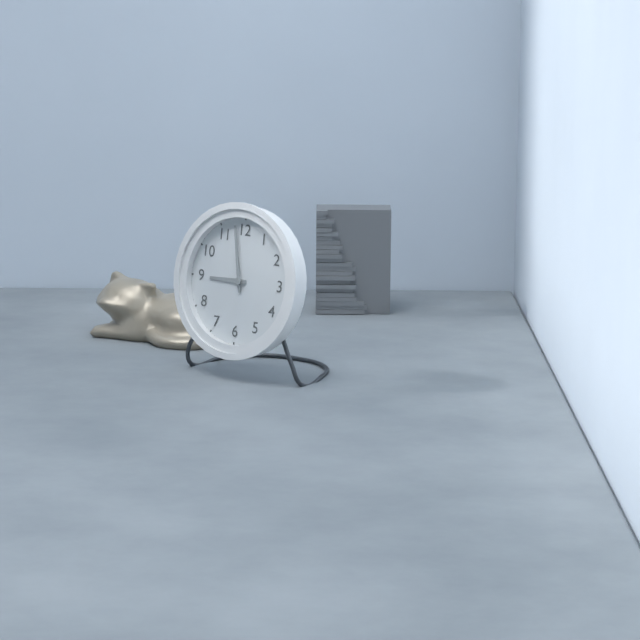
8:58
